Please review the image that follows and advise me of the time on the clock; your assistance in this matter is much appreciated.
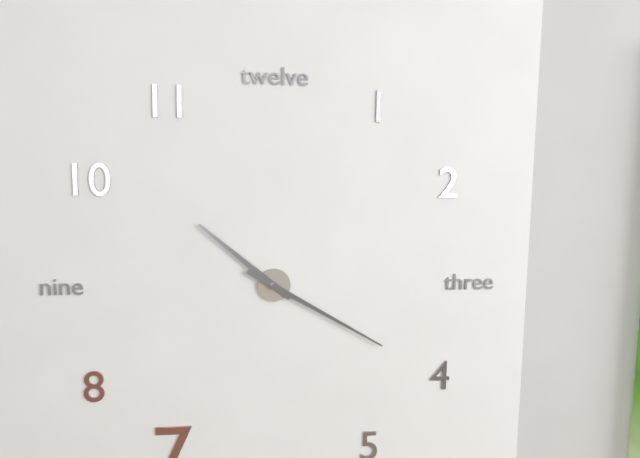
10:20
